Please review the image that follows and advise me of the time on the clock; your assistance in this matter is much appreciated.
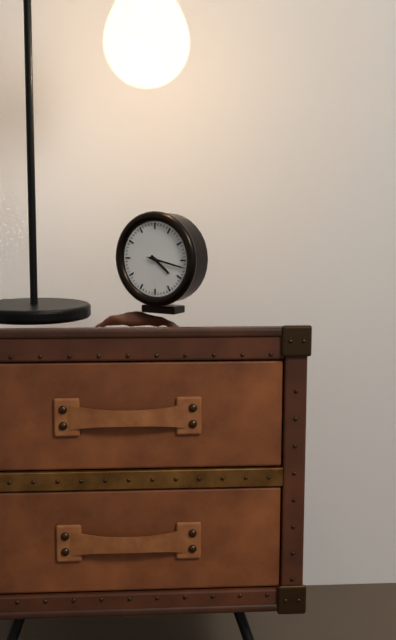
4:17
